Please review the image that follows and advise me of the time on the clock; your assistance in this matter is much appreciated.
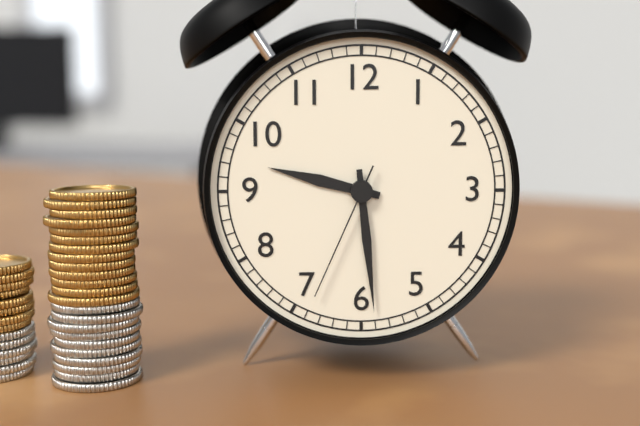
9:29:34
